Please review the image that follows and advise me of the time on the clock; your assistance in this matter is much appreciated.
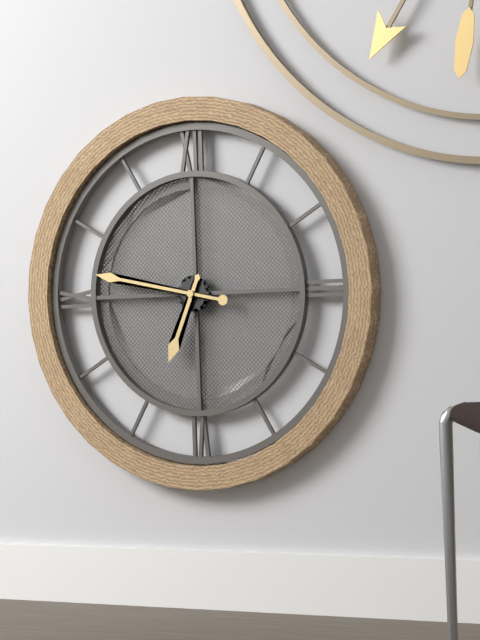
6:47
